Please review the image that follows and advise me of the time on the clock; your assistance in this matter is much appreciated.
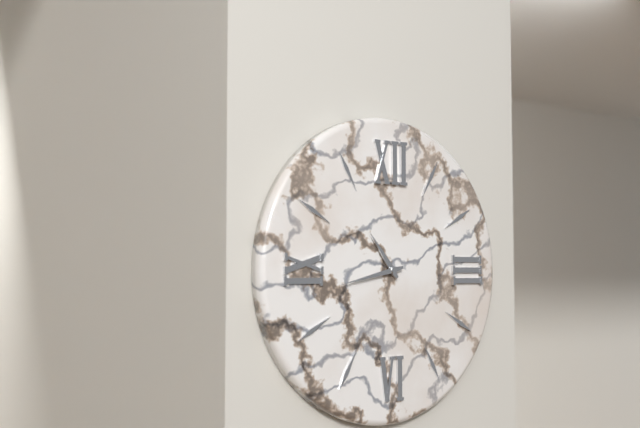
10:43
